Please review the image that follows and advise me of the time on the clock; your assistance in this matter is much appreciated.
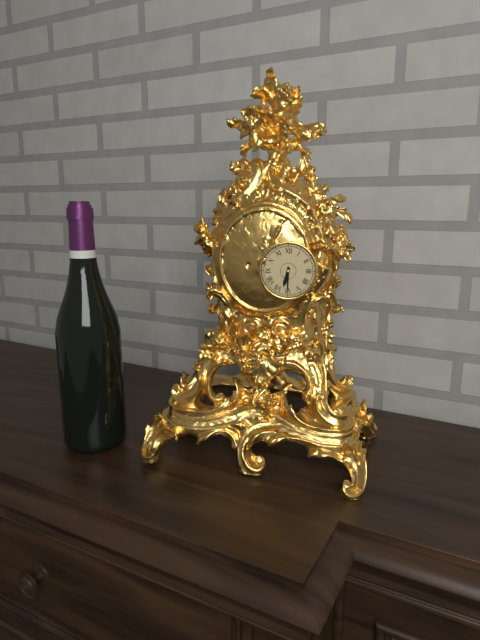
6:30
